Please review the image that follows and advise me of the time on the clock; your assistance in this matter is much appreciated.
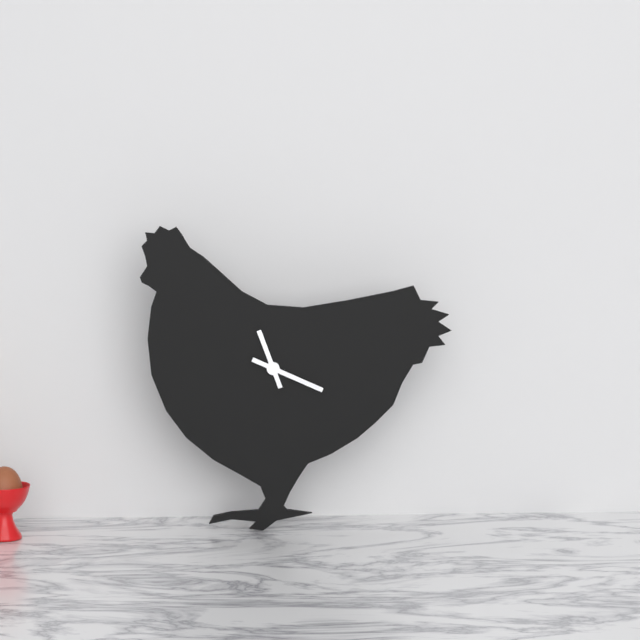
11:19
